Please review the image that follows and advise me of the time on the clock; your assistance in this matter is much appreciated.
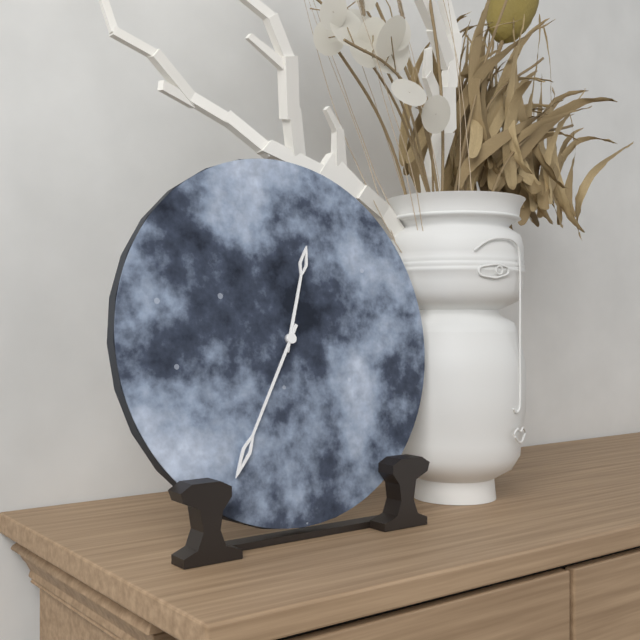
12:35
